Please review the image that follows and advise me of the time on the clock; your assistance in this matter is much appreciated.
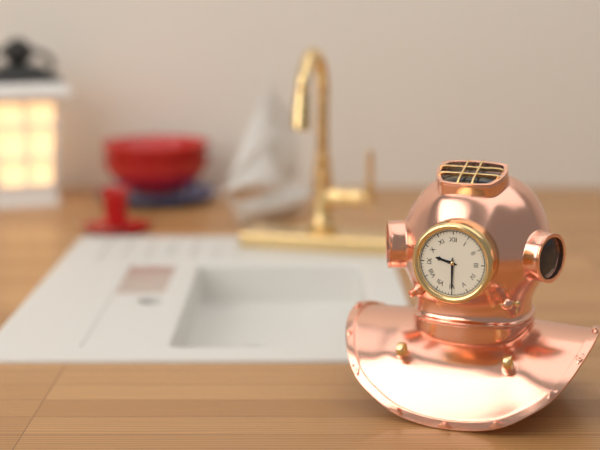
9:30
